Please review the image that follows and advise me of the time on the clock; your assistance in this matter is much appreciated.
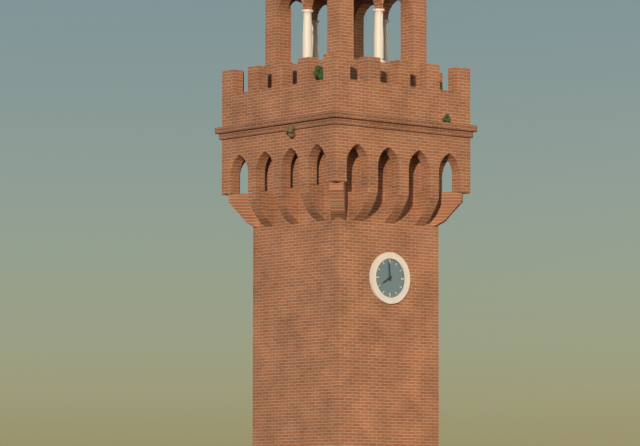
7:59
